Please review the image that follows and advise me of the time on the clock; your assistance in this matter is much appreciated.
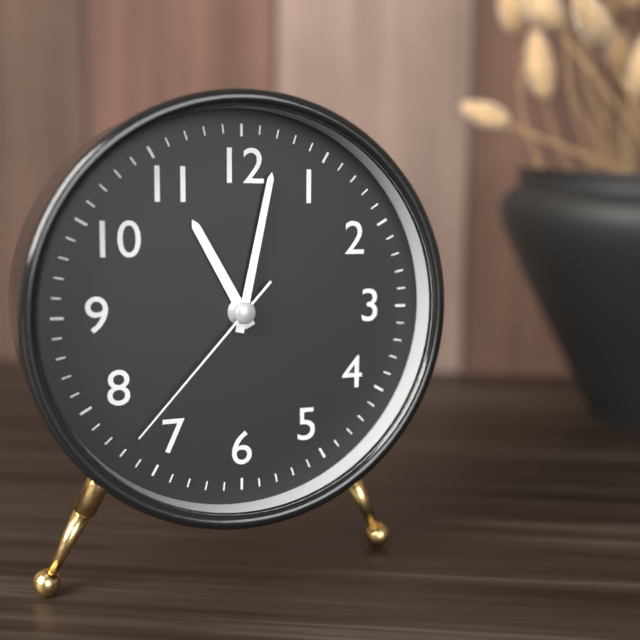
11:02:37
